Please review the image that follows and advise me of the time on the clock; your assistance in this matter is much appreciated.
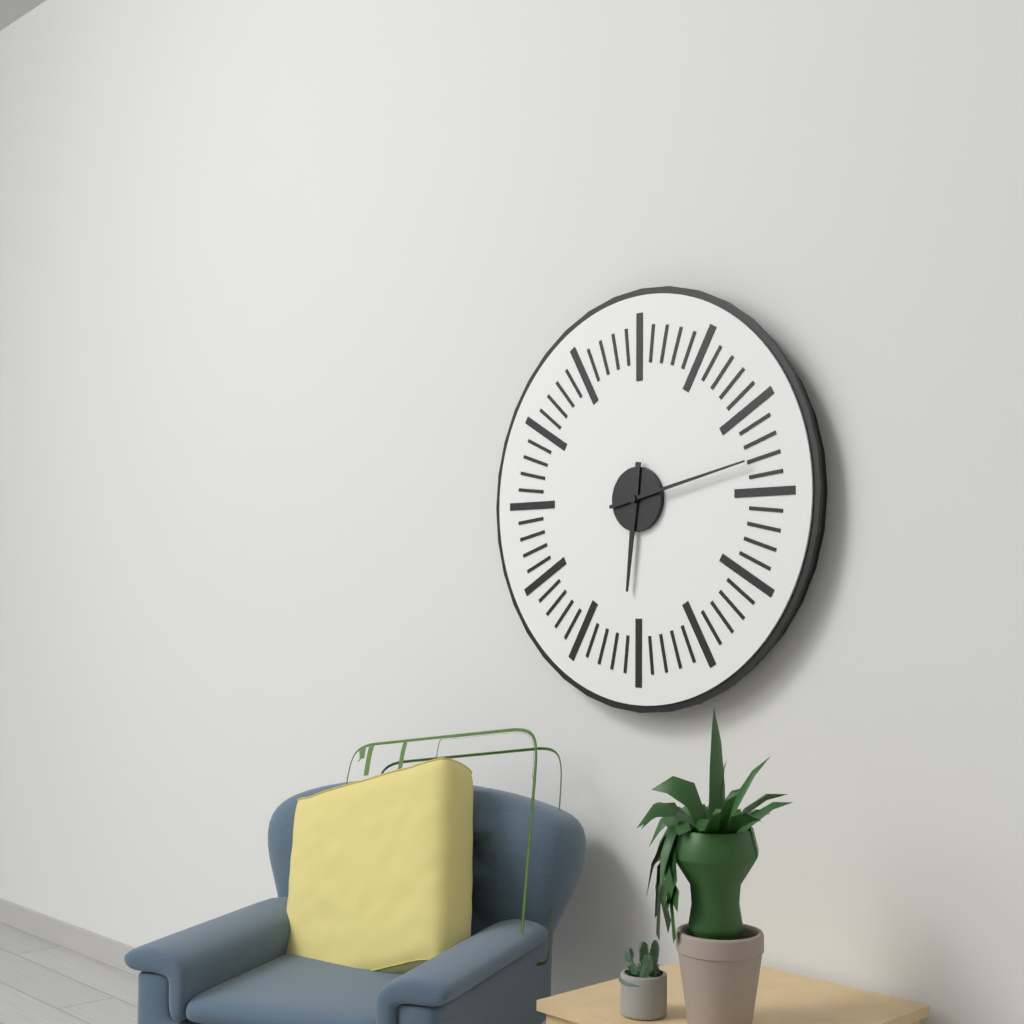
6:13
